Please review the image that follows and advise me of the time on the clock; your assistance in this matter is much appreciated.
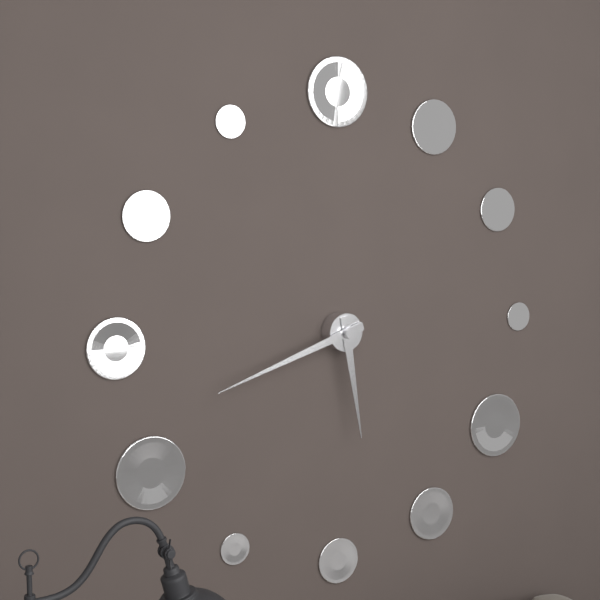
5:42
